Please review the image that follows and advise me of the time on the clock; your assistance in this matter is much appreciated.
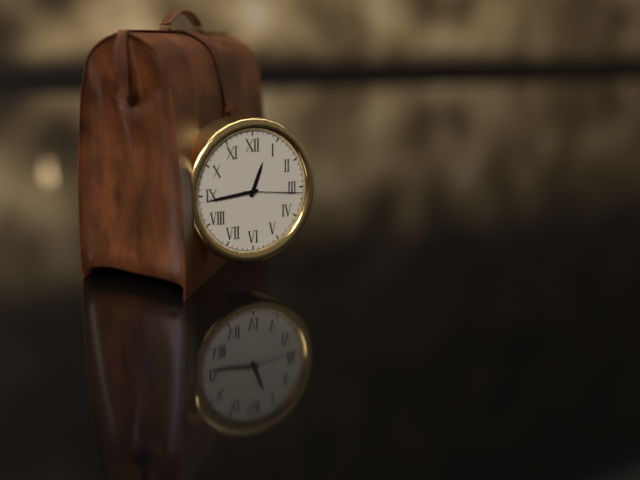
12:44:16
